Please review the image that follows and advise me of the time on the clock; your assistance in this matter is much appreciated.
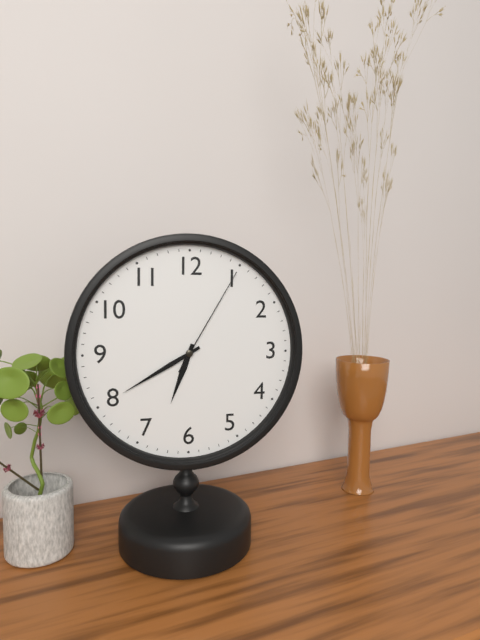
6:40:05
